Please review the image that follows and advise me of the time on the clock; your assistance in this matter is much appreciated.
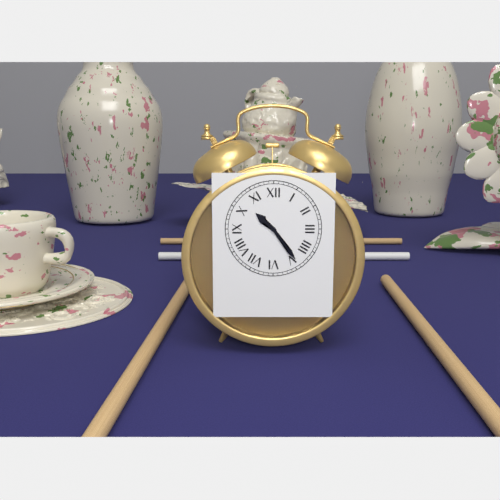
10:24
